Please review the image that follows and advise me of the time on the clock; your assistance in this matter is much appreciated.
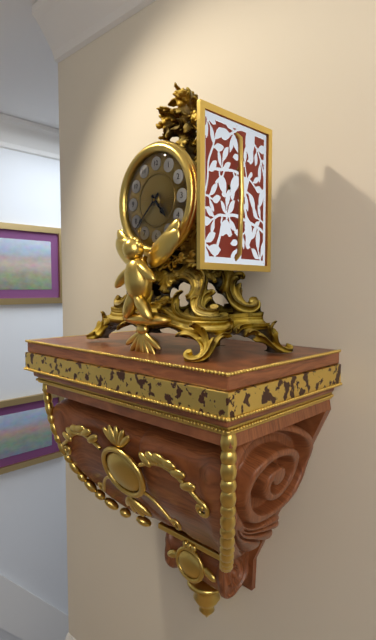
4:38
